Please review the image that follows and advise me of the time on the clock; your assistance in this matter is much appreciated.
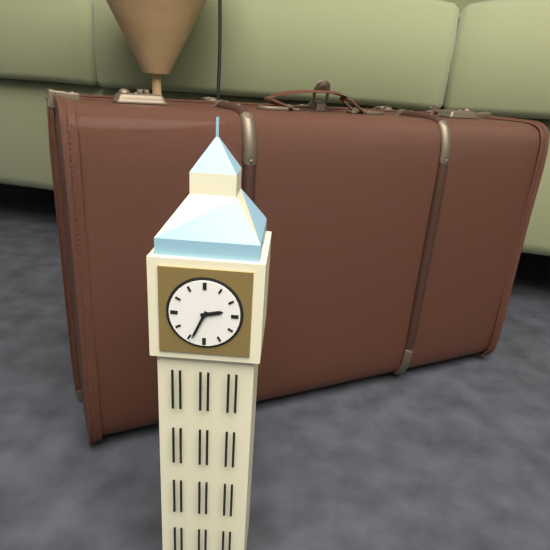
2:34
